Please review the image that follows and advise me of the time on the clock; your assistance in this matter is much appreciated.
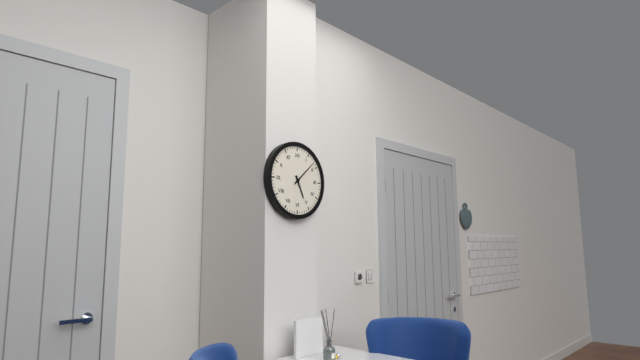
5:08
